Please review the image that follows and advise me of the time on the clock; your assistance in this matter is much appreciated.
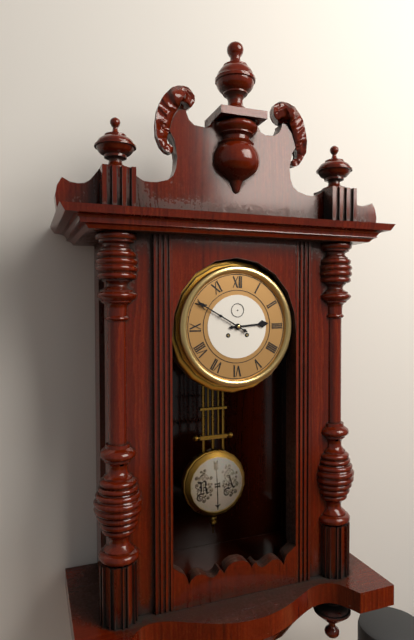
2:50
